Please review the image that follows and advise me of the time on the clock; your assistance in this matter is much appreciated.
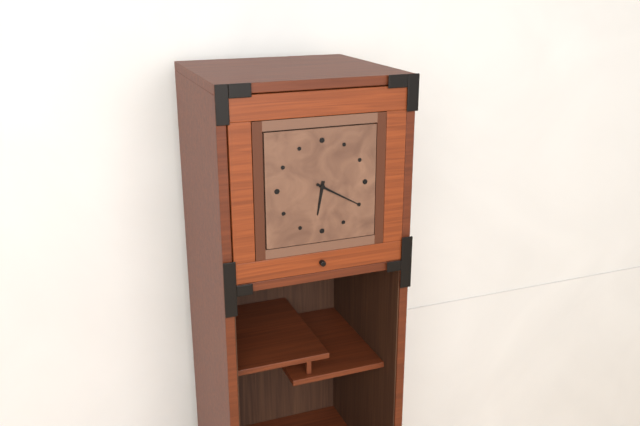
6:20
